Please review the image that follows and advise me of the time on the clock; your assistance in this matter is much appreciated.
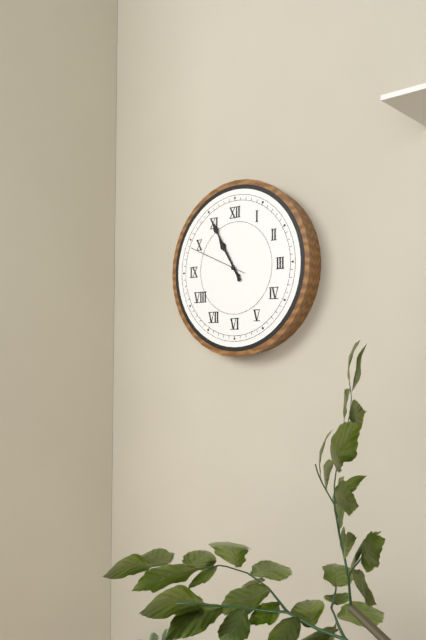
10:55:49
